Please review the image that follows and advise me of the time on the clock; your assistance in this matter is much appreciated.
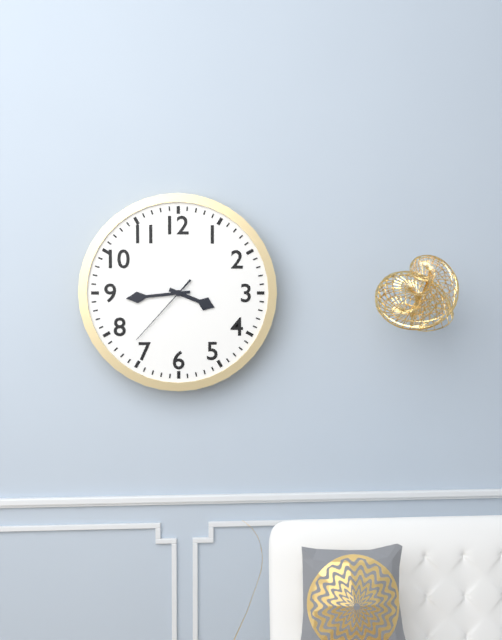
3:44:37
